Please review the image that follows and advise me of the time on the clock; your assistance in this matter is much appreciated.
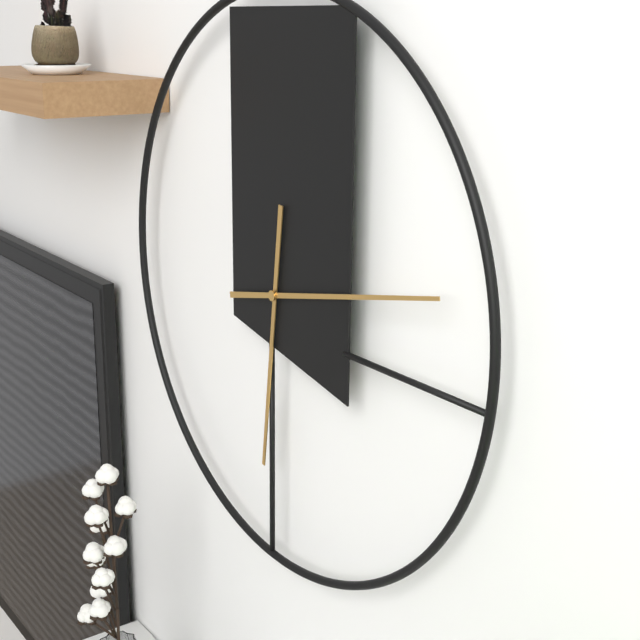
6:13
